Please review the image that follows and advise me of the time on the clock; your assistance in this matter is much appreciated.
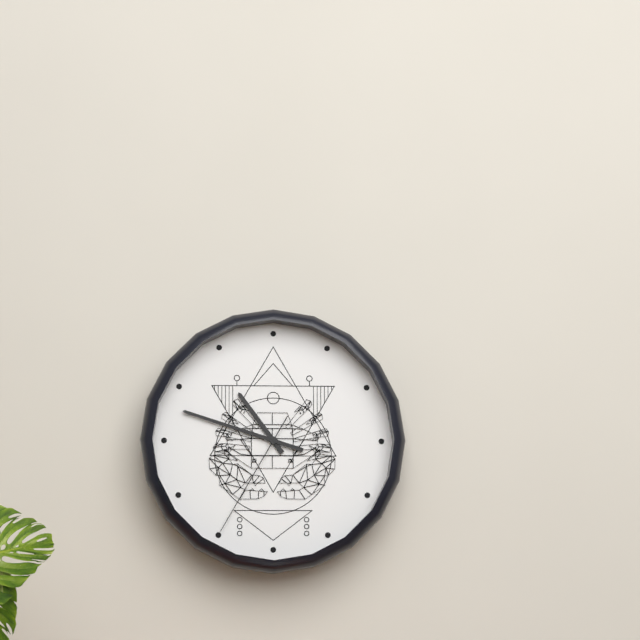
10:48:35
